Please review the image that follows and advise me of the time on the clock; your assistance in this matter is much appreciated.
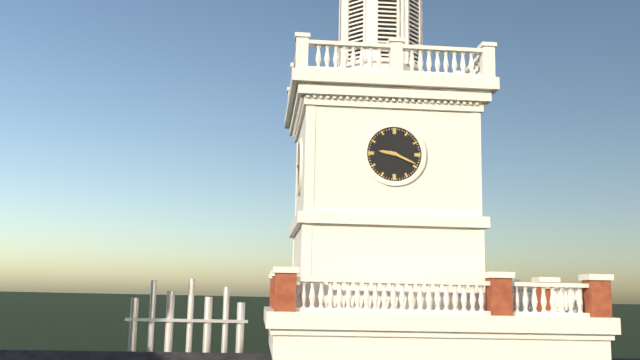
9:19
